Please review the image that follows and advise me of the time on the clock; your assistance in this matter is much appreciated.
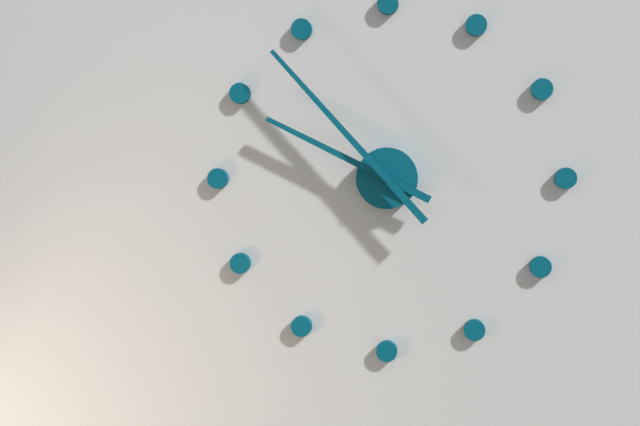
9:53
